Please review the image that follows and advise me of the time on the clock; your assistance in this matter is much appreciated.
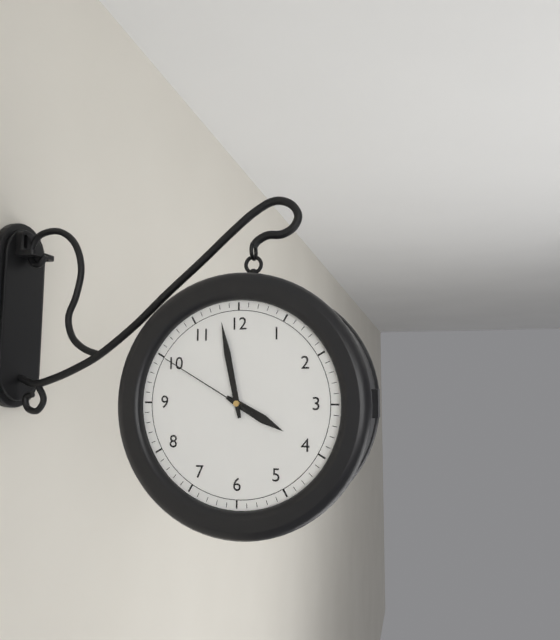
3:58:50
